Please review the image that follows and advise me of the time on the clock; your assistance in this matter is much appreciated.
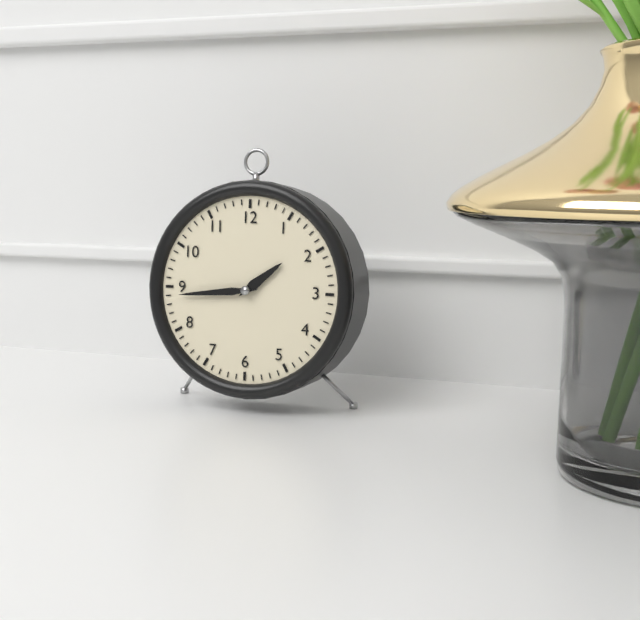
1:44
